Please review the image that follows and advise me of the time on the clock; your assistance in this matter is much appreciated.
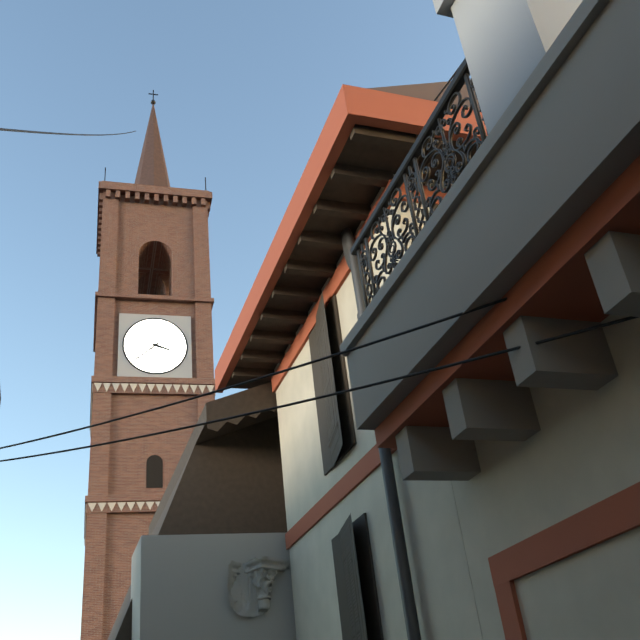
3:38
